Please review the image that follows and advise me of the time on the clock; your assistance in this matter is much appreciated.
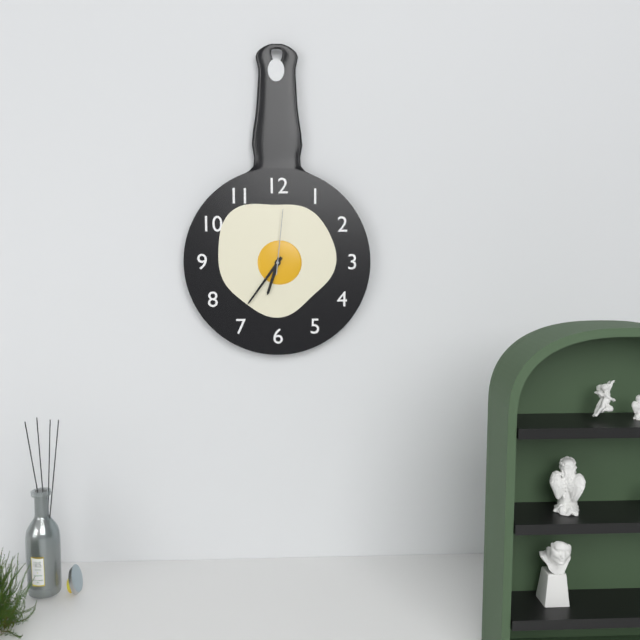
6:36:01
